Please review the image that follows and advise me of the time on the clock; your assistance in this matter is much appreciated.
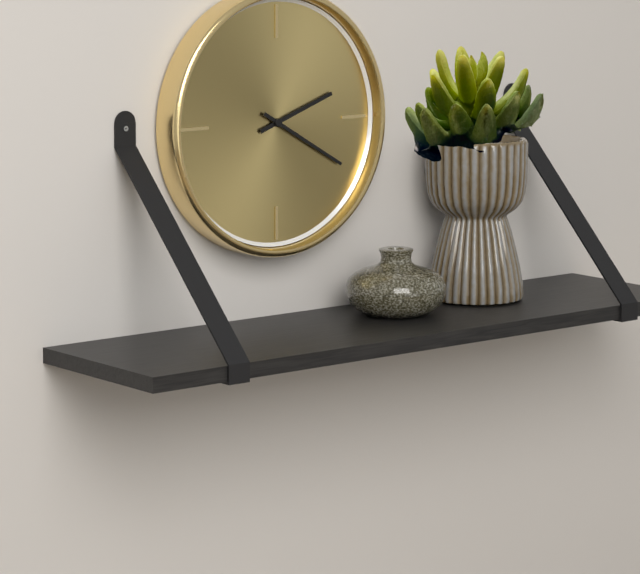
2:20
